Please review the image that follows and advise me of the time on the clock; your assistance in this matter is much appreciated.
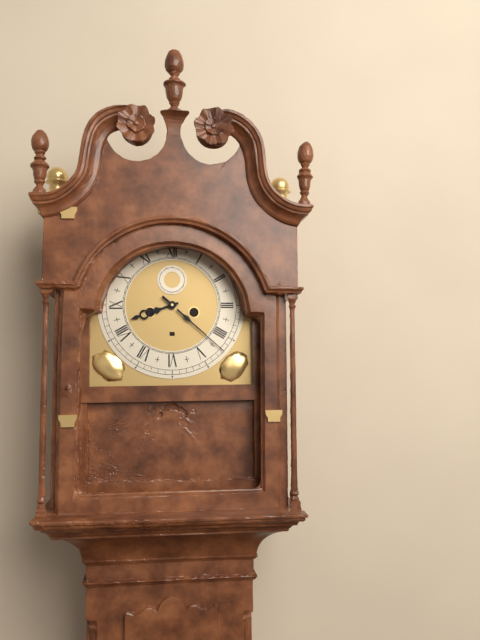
8:22
